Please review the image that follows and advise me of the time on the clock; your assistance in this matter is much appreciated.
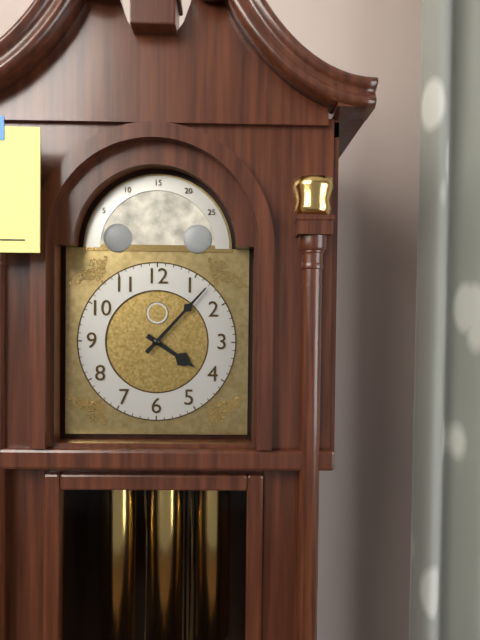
4:07
